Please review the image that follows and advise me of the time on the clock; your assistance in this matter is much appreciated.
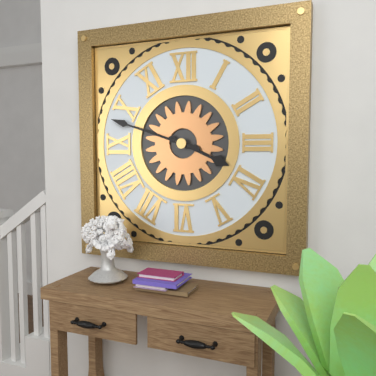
3:48
